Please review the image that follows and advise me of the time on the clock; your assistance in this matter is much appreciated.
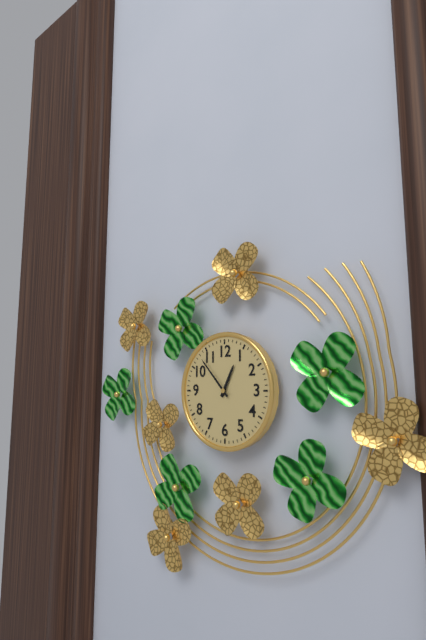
12:53
